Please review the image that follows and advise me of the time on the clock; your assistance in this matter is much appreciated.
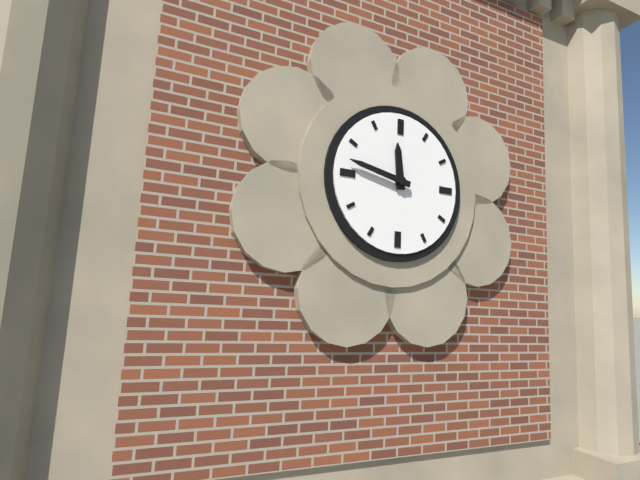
11:47
